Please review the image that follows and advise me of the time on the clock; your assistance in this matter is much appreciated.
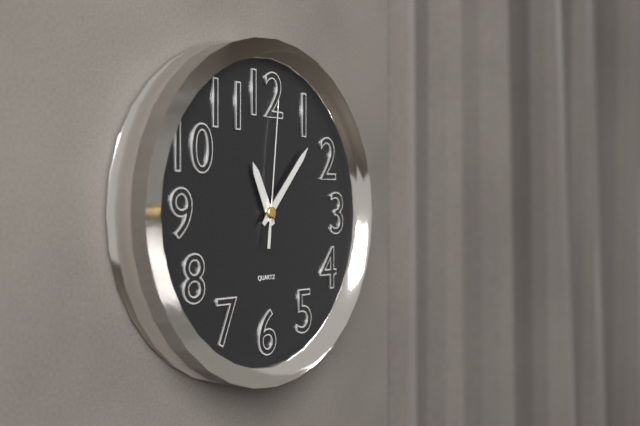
11:07:01
